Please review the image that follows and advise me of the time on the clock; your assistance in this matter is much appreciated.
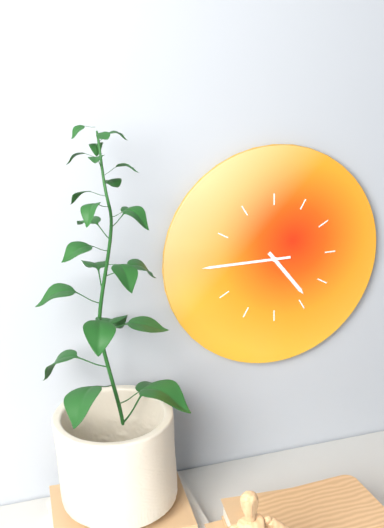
4:45
